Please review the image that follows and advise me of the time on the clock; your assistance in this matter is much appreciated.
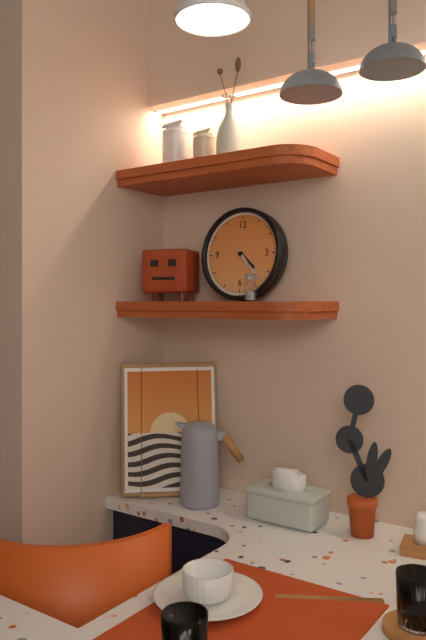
4:23
